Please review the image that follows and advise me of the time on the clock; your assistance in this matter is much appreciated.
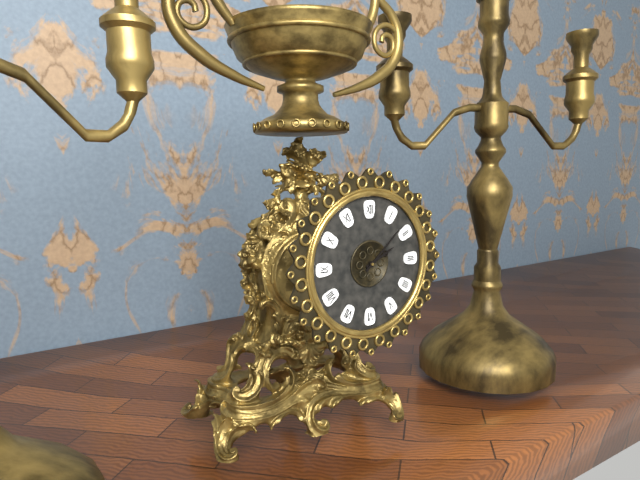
2:08
